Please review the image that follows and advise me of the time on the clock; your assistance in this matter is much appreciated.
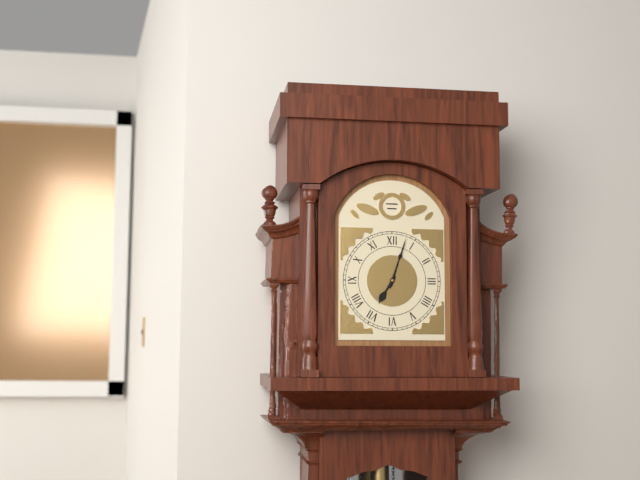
7:03
